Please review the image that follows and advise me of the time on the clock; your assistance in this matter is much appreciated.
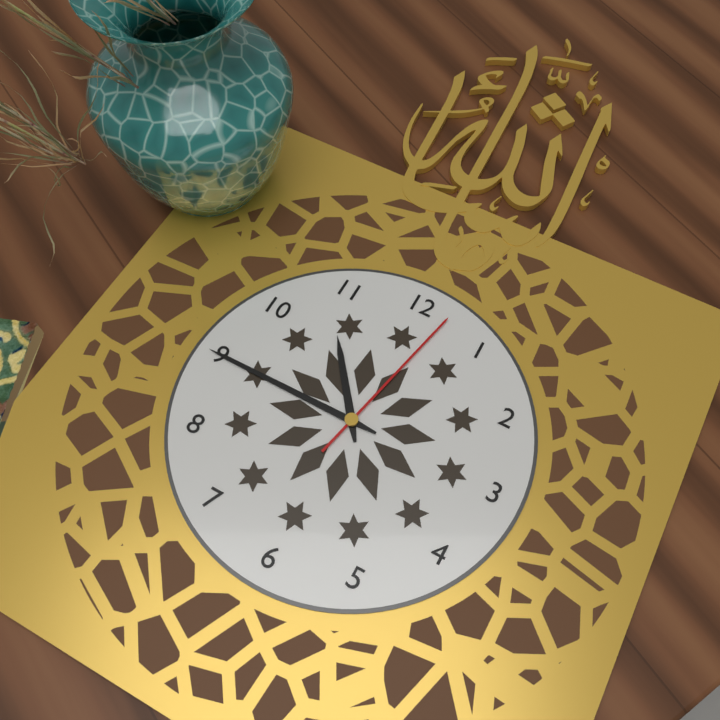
10:45:02
